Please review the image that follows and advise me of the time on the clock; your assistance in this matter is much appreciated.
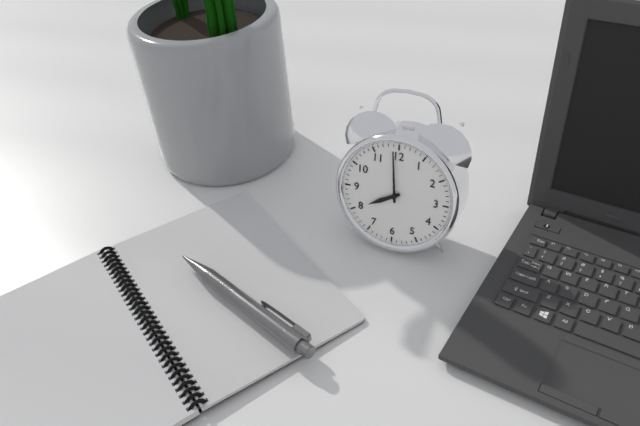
7:59
